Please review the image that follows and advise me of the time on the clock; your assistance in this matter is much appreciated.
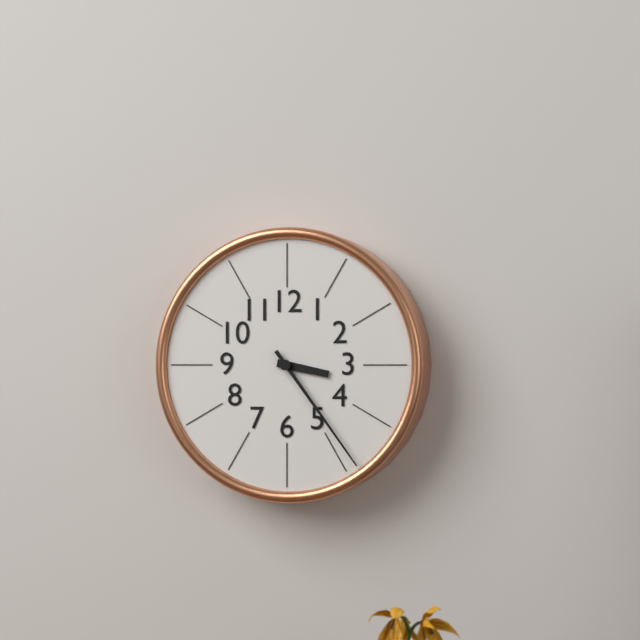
3:24
